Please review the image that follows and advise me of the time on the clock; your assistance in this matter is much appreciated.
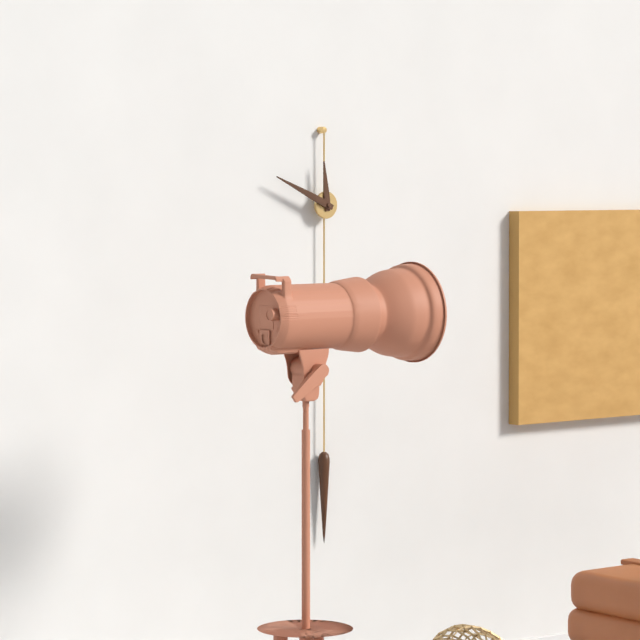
11:49
